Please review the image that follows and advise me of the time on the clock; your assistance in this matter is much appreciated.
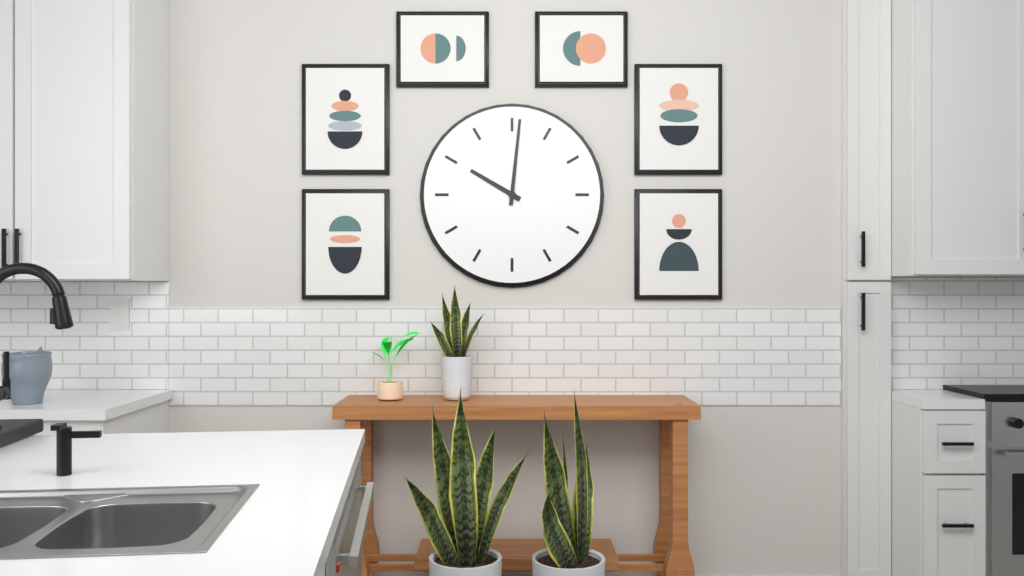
10:01
